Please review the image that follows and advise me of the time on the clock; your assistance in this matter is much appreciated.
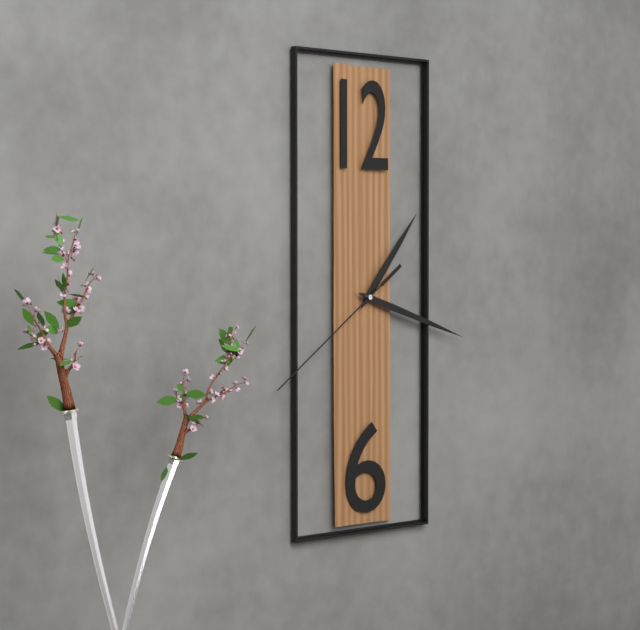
1:18:39
